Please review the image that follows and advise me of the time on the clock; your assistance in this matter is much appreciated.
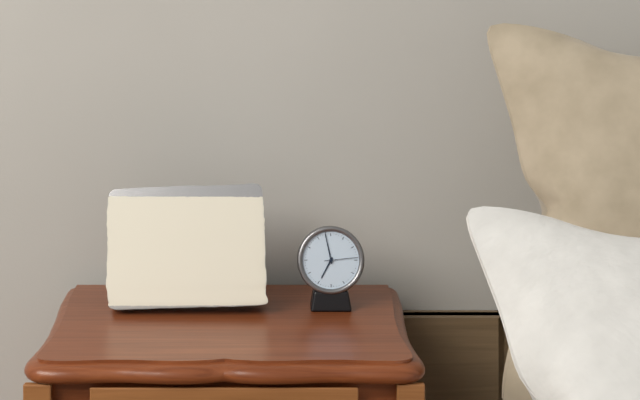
6:58
